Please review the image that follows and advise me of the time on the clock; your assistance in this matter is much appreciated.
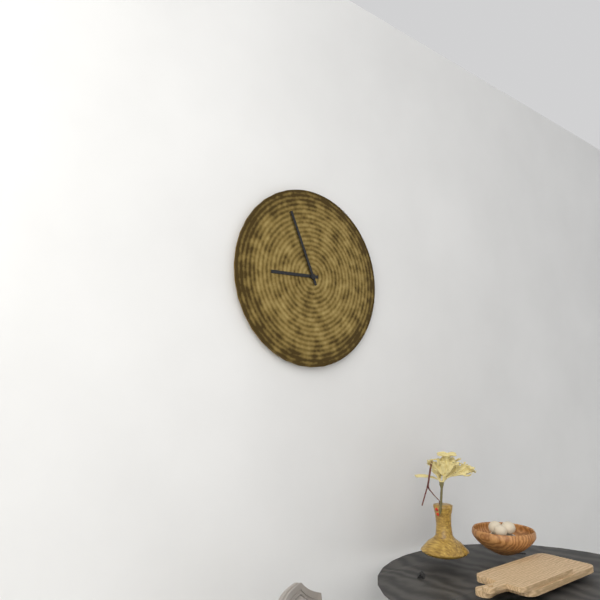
8:56
